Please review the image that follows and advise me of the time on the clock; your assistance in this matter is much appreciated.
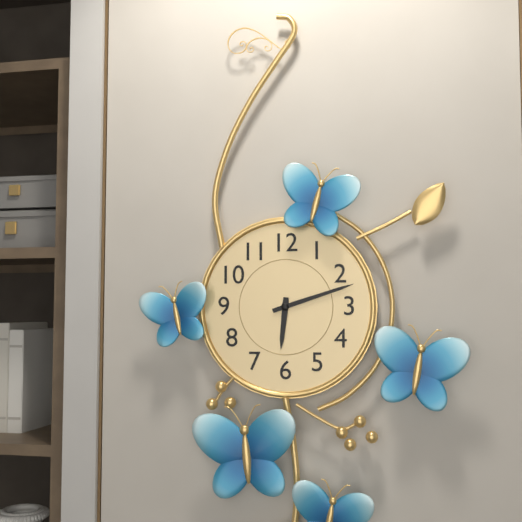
6:12
